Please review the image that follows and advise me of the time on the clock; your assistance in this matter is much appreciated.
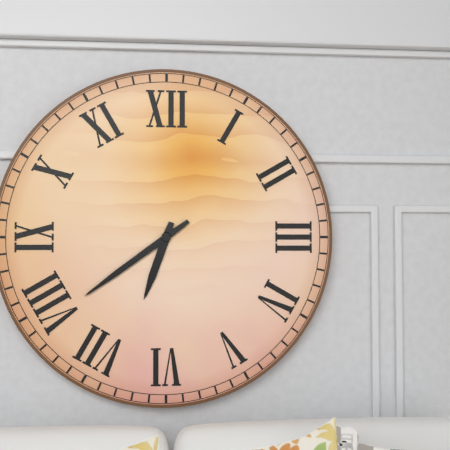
6:39
